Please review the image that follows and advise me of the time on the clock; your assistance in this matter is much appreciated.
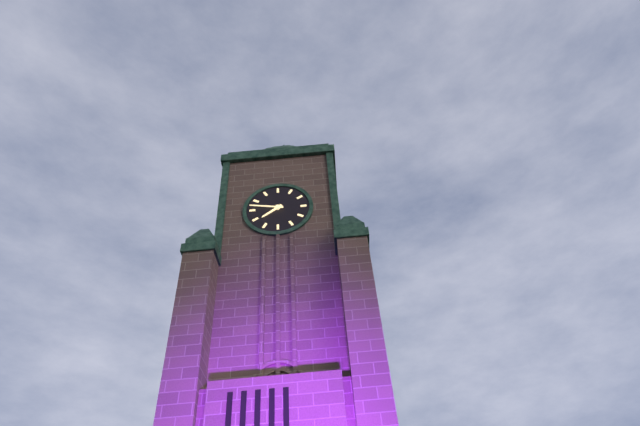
7:47
